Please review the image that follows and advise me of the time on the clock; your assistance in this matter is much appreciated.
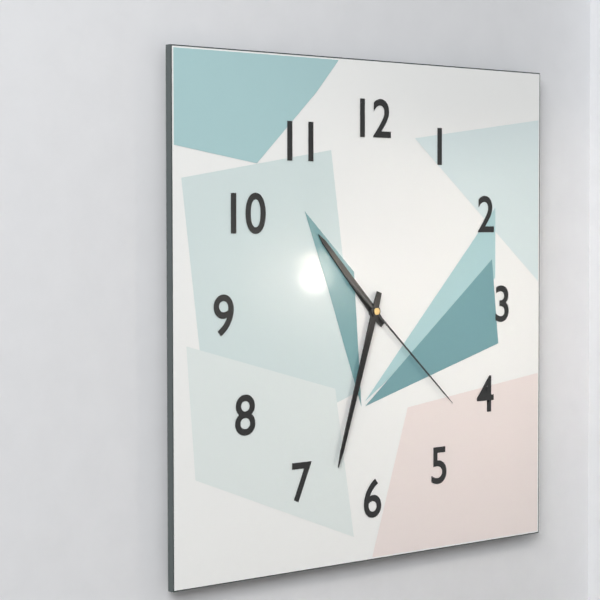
10:33:22
